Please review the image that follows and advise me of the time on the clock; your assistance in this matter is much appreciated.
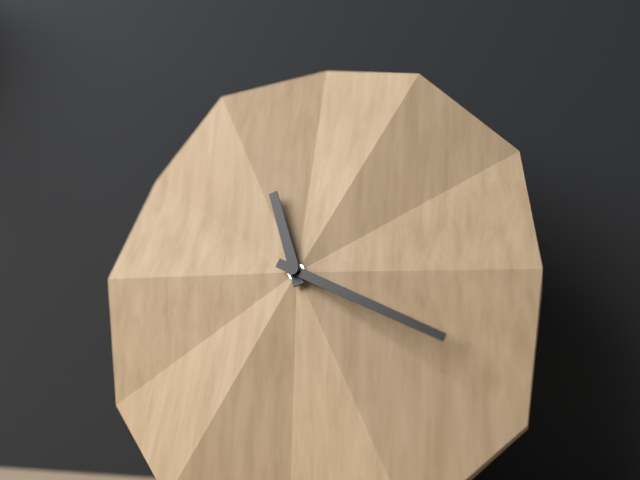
11:19
